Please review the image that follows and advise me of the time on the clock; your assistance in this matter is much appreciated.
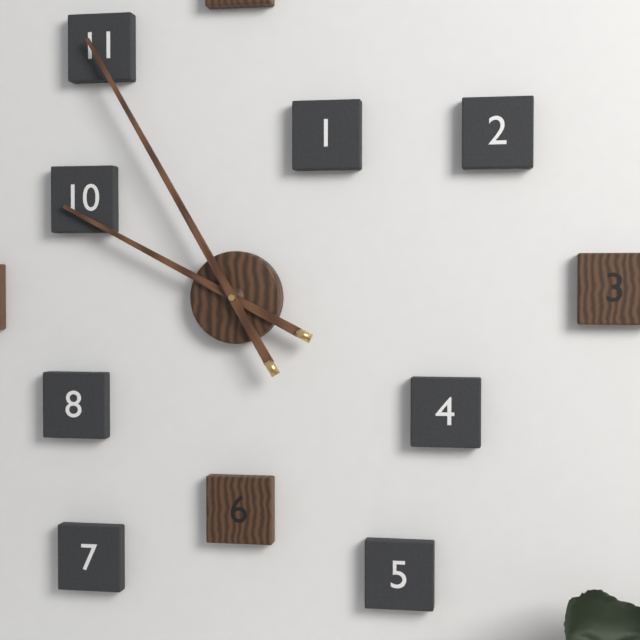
9:55
